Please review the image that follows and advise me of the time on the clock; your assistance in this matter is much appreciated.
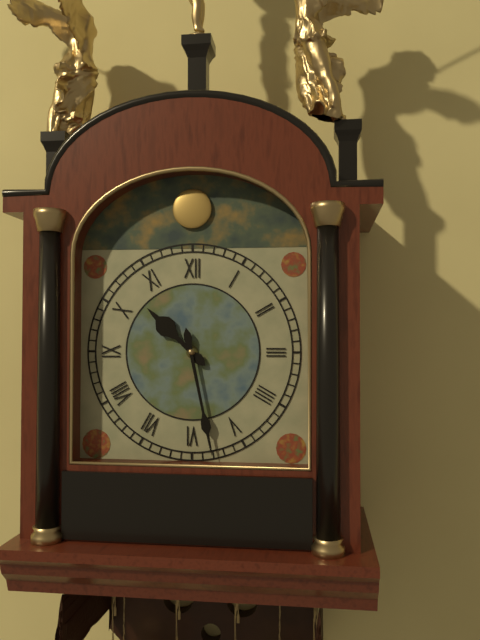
10:28
